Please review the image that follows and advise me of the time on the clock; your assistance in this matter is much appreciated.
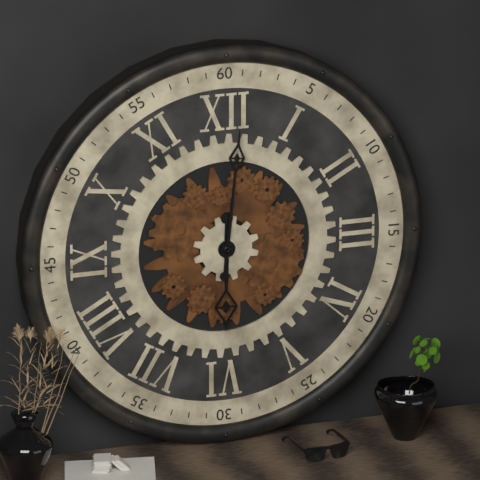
6:01
